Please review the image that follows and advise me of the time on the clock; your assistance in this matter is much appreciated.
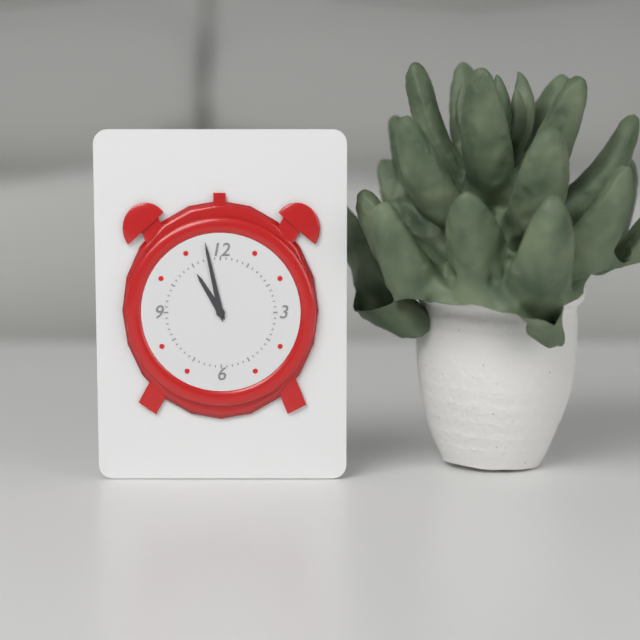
10:58
